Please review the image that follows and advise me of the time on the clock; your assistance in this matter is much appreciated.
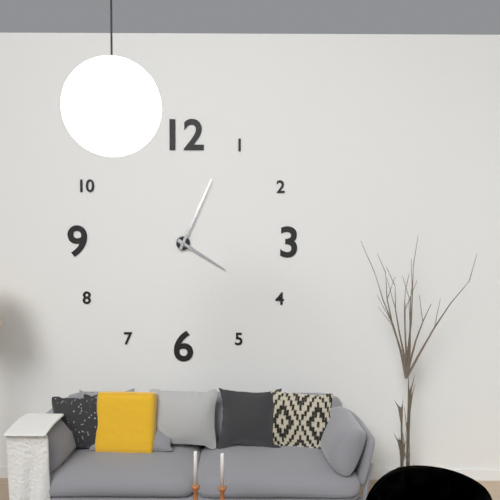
4:04
